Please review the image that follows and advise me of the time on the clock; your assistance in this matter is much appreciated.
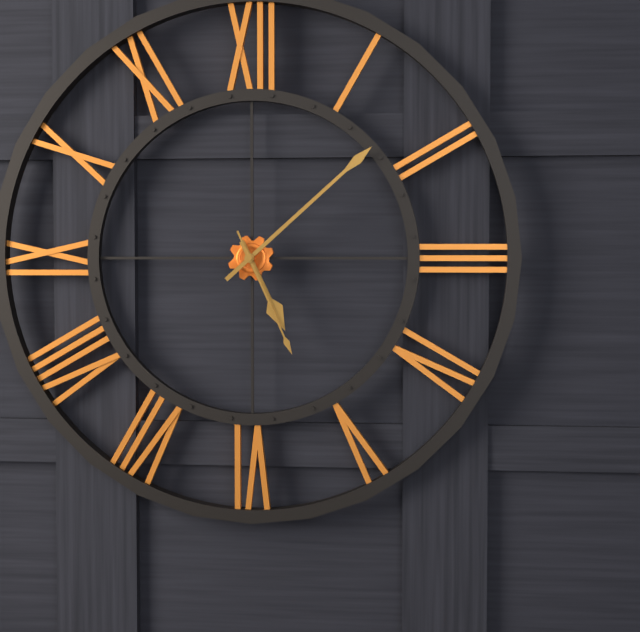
5:08:26
